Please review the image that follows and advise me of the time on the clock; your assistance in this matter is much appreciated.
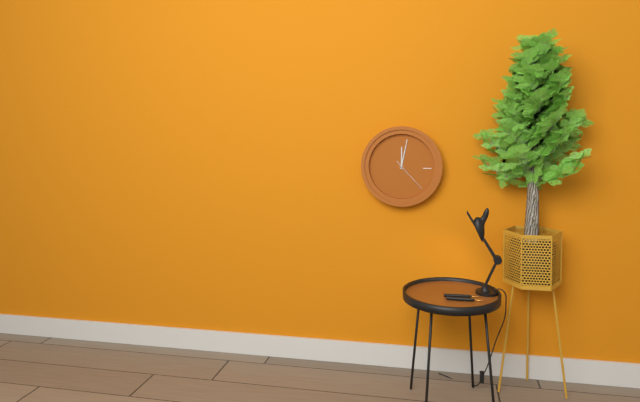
12:02
